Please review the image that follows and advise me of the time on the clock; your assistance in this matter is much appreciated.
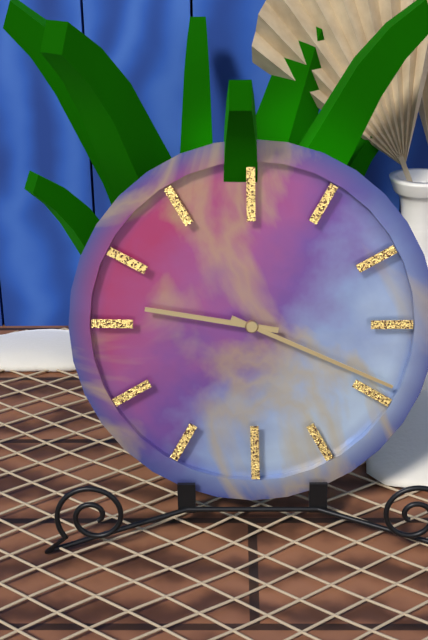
9:19
